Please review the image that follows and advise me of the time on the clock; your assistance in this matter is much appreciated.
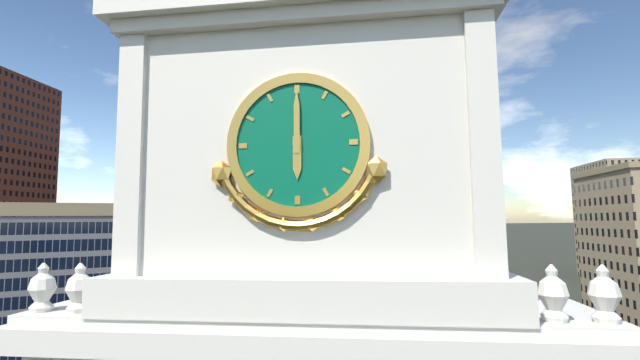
6:00
